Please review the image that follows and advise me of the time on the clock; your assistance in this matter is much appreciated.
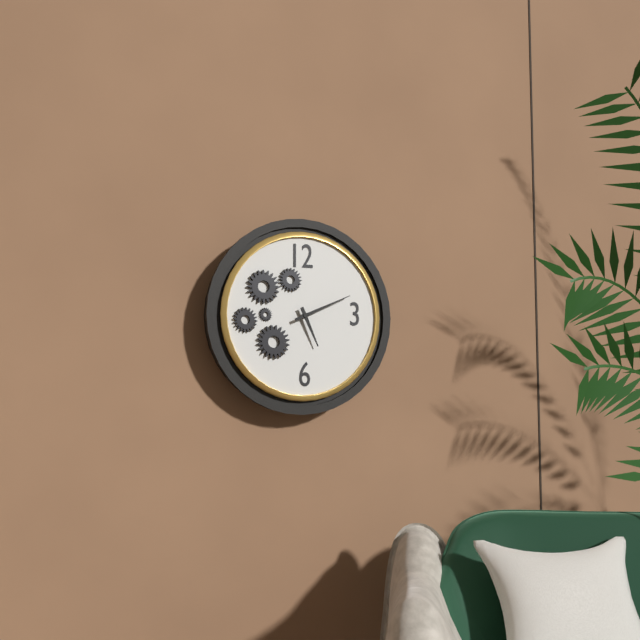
5:11
